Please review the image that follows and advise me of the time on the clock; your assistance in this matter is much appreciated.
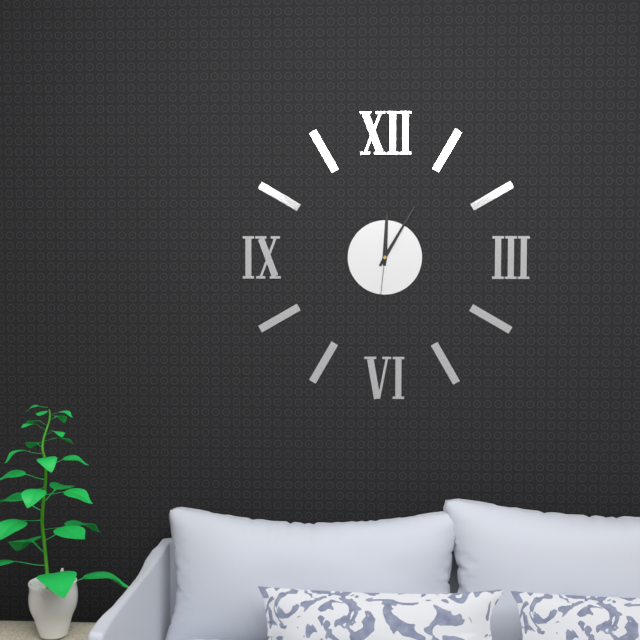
12:05:31
